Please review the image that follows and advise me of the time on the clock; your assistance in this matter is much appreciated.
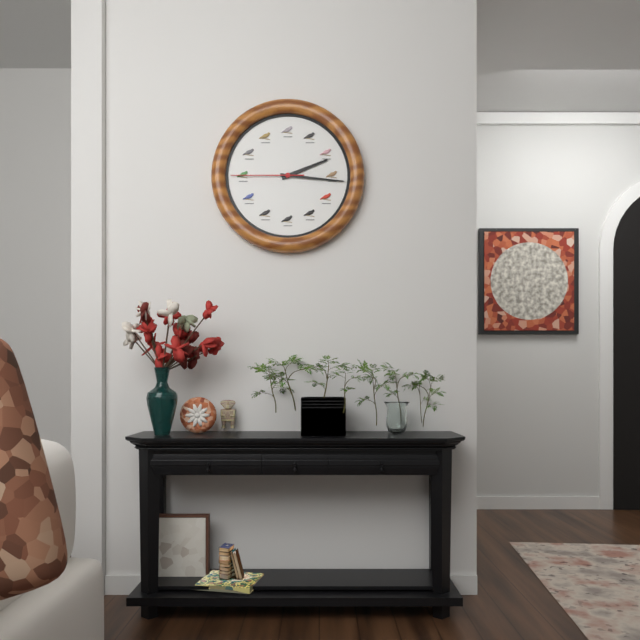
2:16:45
